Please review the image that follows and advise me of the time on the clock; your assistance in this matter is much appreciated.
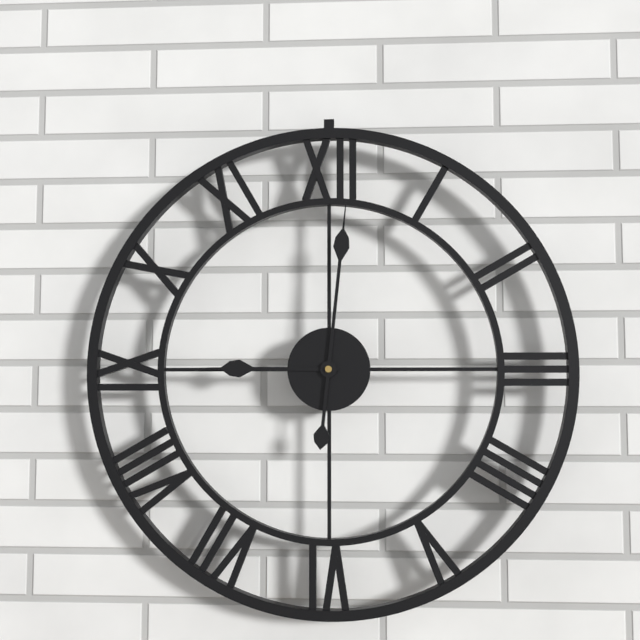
9:01
